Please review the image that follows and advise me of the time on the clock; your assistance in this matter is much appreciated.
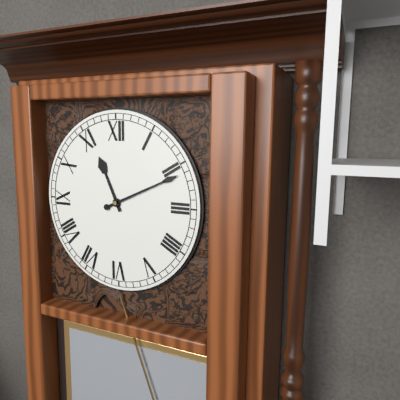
11:11
